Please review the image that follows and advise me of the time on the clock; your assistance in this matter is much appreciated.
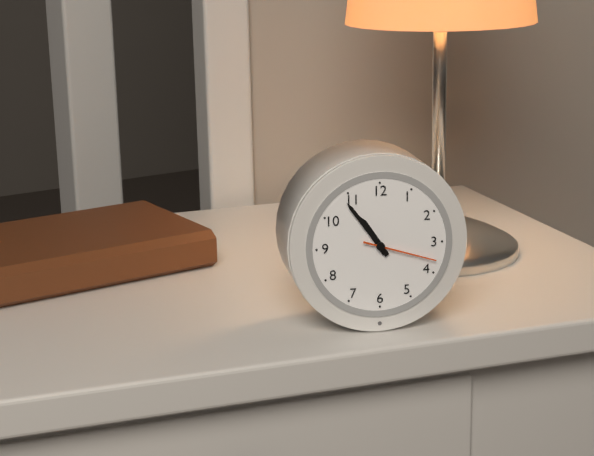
10:54:18
